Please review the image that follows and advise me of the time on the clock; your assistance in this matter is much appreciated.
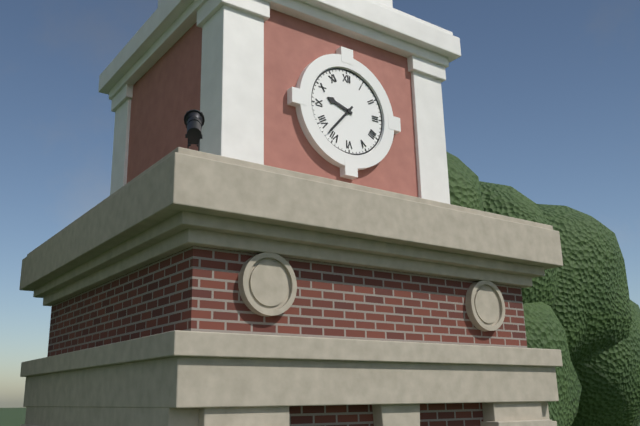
9:37
